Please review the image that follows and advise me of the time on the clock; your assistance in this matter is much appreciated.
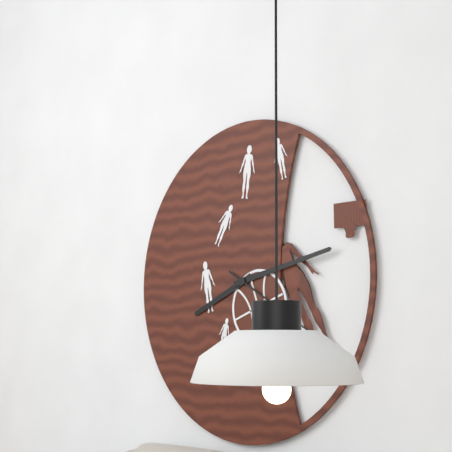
8:13
